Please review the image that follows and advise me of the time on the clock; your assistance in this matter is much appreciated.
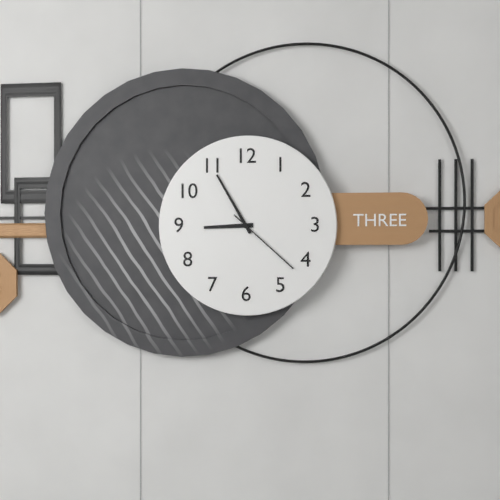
8:55:22
